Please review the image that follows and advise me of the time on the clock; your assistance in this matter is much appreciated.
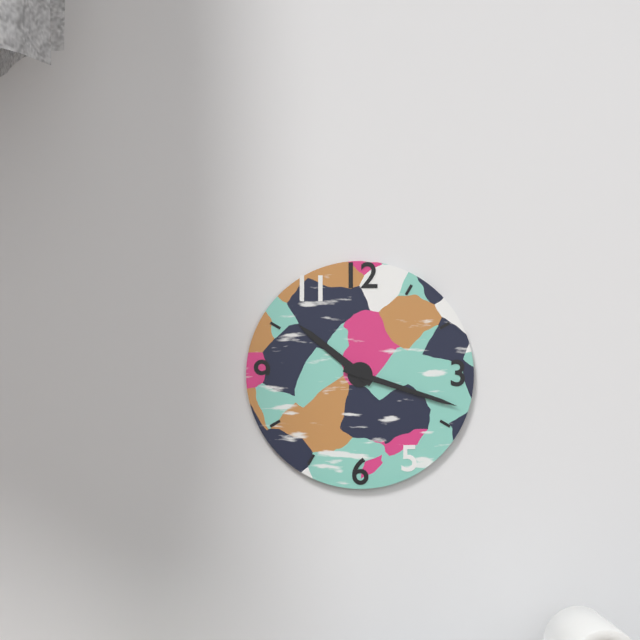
10:18
